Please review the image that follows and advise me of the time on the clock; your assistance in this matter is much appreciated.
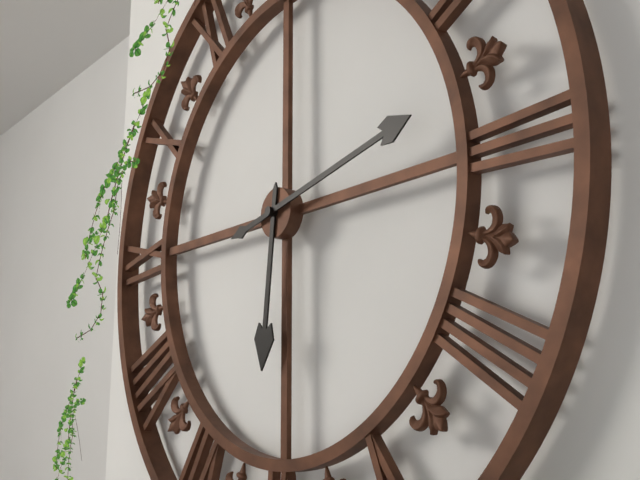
6:13
